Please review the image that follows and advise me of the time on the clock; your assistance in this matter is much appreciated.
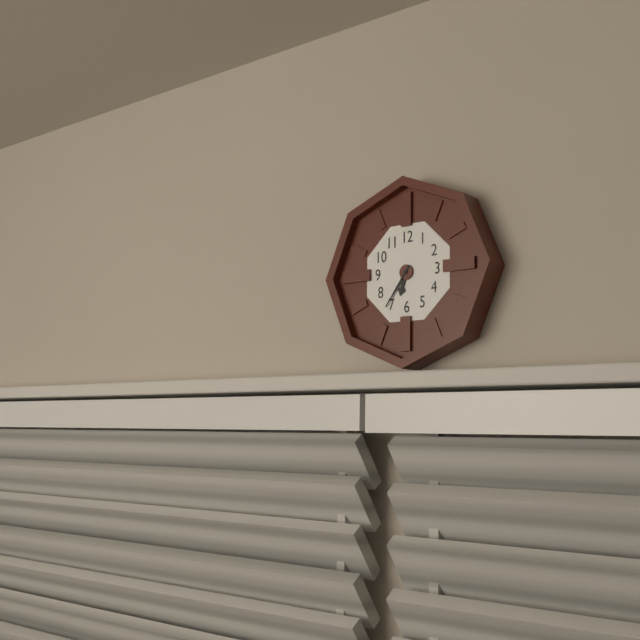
6:36
